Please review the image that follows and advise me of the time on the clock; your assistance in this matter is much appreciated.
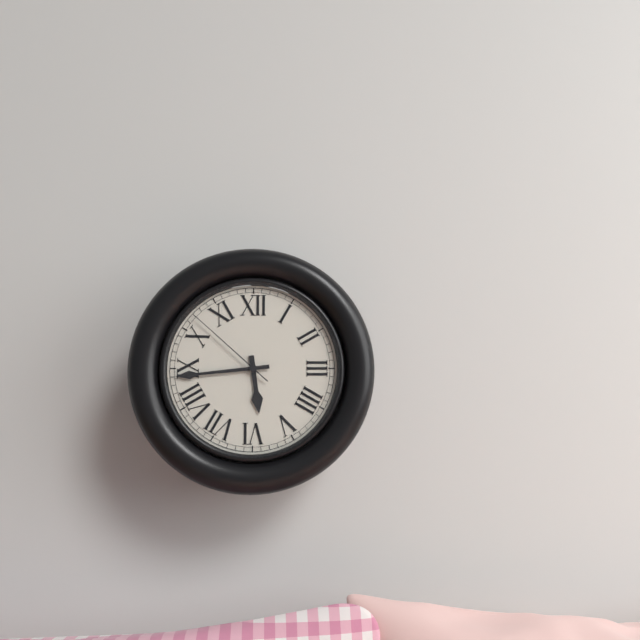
5:44:52
